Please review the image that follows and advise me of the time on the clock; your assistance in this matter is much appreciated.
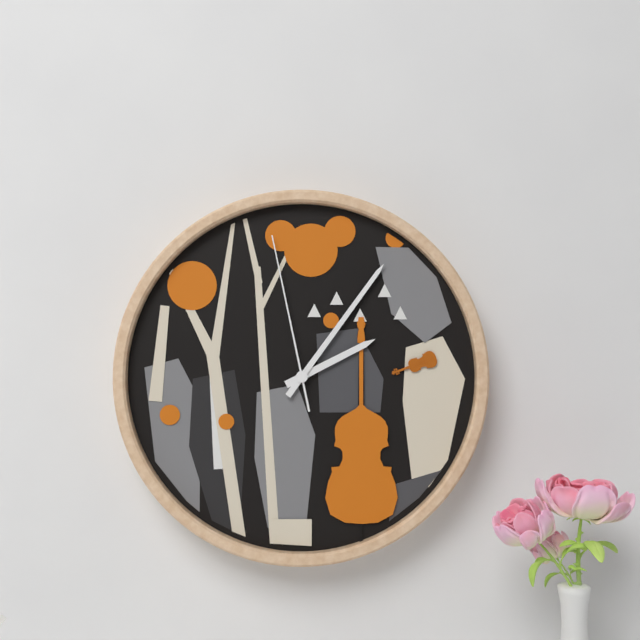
2:06:58
